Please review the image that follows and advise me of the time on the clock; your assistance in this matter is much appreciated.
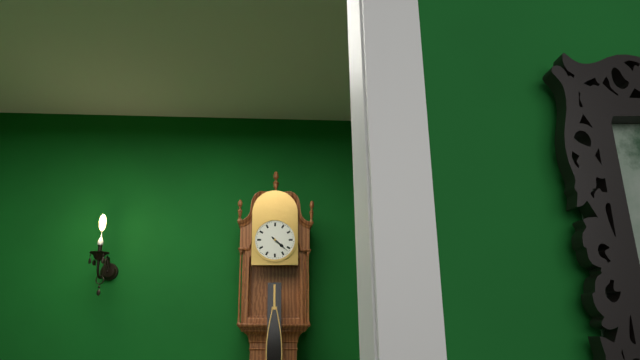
4:22
